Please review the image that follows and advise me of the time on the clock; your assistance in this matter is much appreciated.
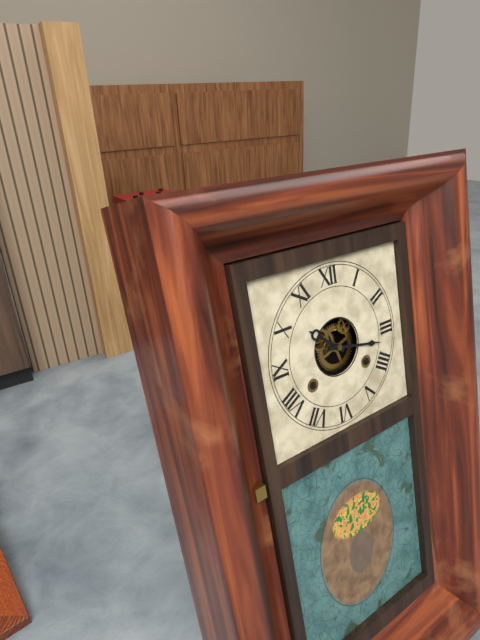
10:17
